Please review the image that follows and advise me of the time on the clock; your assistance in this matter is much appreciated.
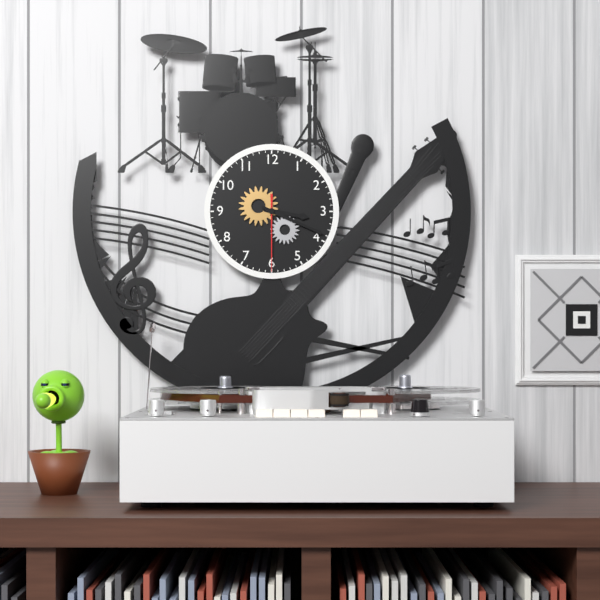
3:19:30
